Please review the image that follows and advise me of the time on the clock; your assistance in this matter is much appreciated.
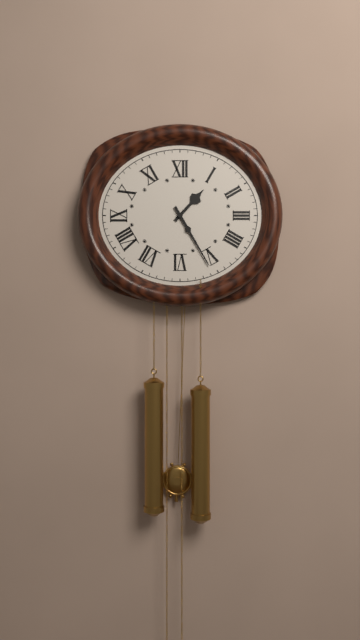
1:25
